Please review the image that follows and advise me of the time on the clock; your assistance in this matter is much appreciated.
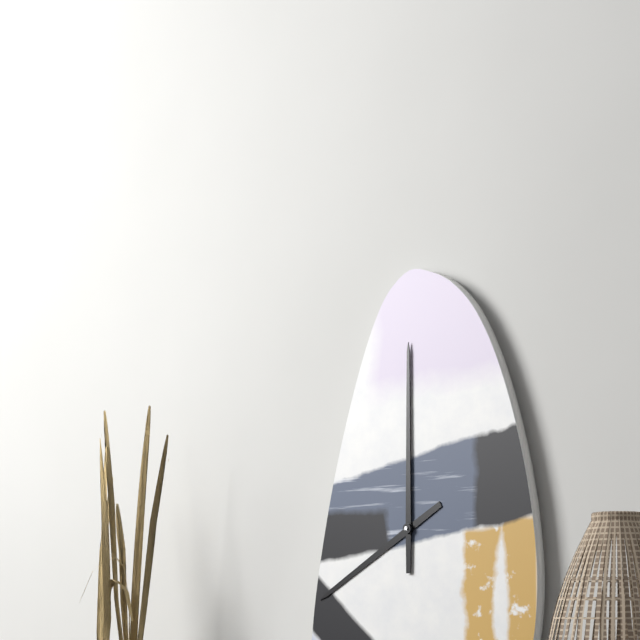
8:00
